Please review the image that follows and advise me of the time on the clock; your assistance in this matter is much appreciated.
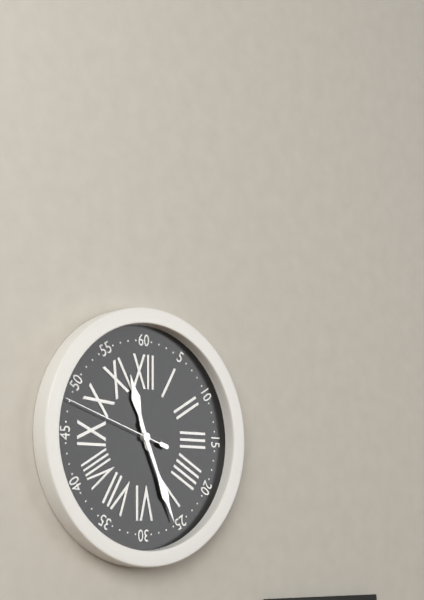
11:26:48
